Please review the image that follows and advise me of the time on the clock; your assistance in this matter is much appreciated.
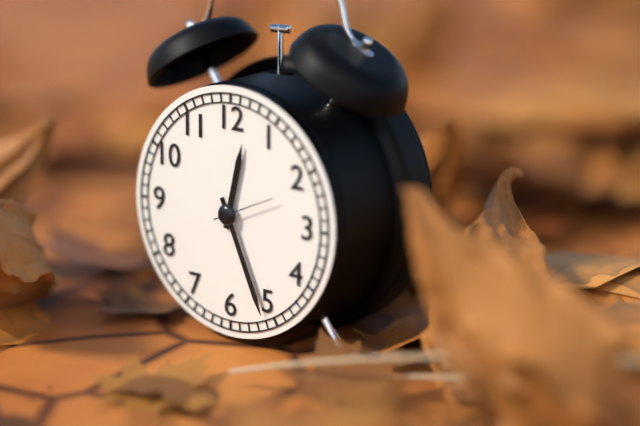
12:26:11
